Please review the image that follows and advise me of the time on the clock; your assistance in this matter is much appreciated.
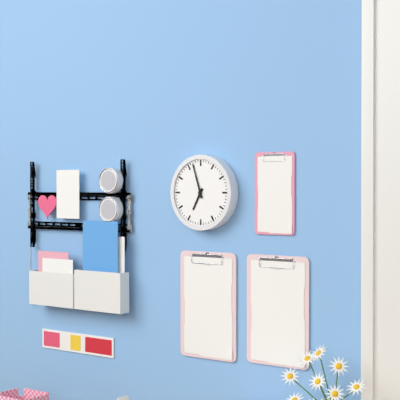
6:57
